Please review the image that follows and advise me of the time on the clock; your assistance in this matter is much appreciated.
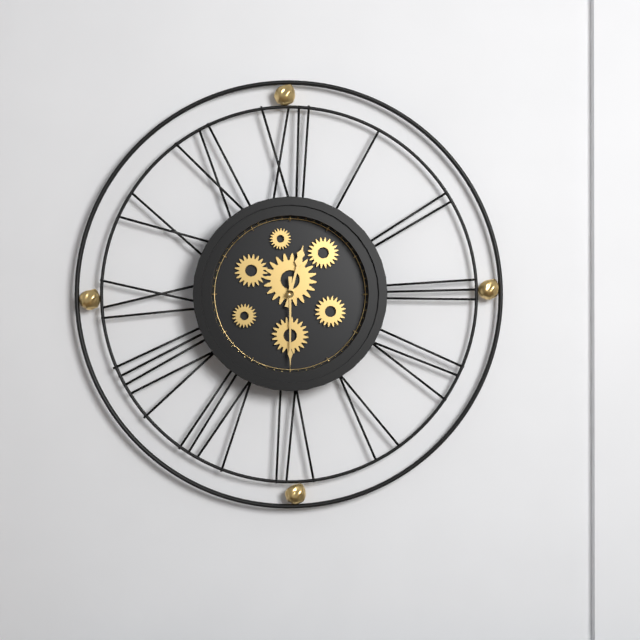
12:30
